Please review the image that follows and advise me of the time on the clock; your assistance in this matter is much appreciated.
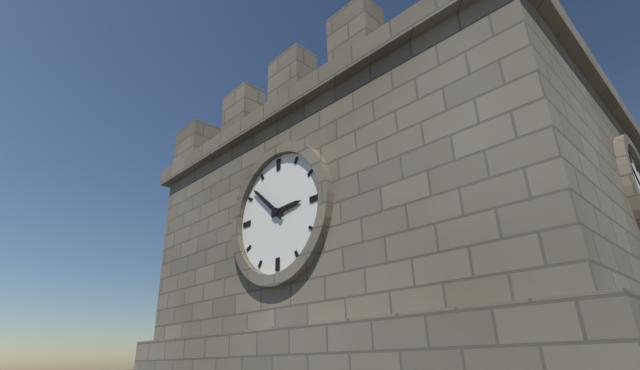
2:52
